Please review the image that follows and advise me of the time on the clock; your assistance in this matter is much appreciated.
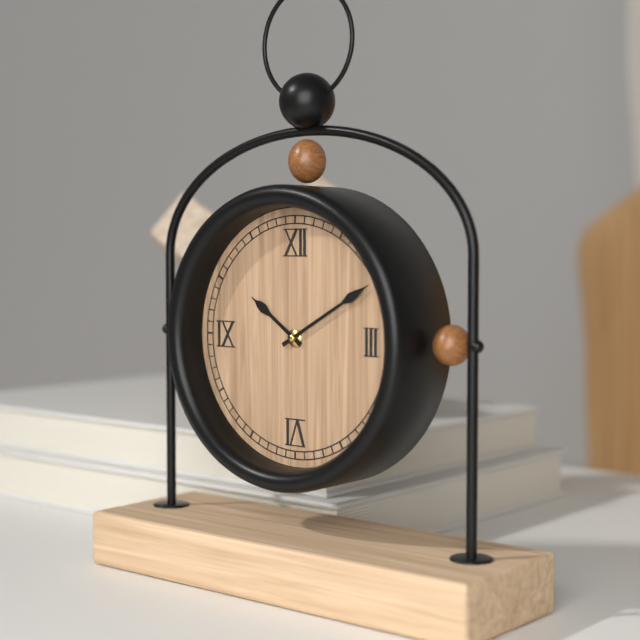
10:10
